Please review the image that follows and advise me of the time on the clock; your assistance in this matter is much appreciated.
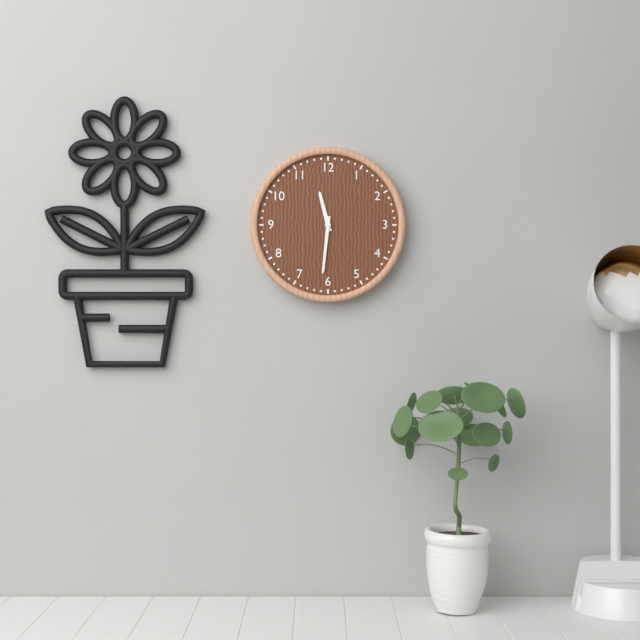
11:31
